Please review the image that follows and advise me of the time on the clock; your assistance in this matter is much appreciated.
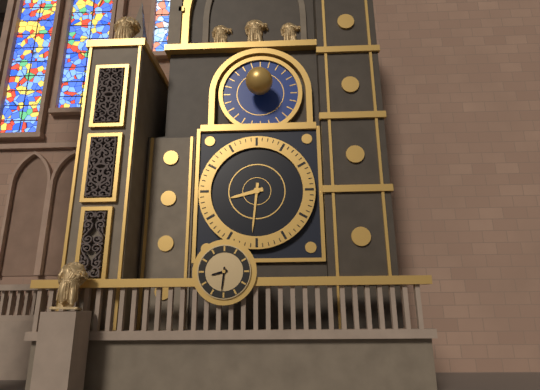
8:31
